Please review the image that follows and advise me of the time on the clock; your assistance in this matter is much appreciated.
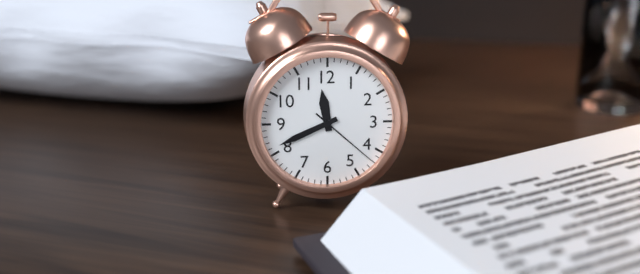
11:41:22
